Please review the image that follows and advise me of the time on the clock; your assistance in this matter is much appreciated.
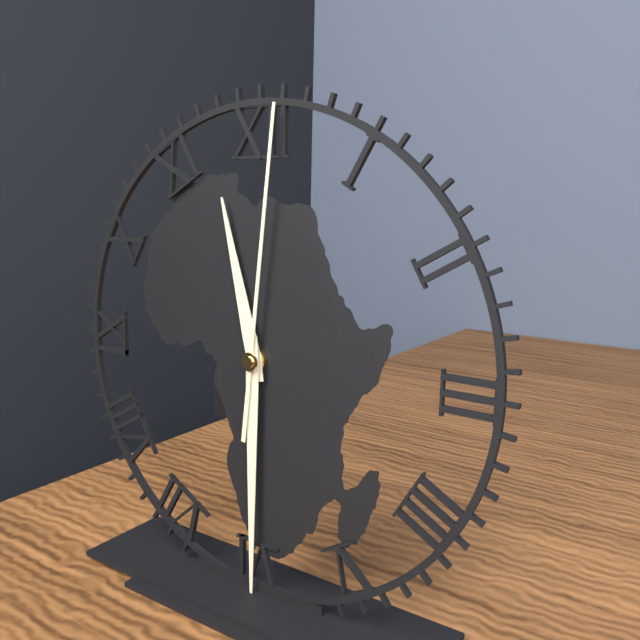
11:30:01
